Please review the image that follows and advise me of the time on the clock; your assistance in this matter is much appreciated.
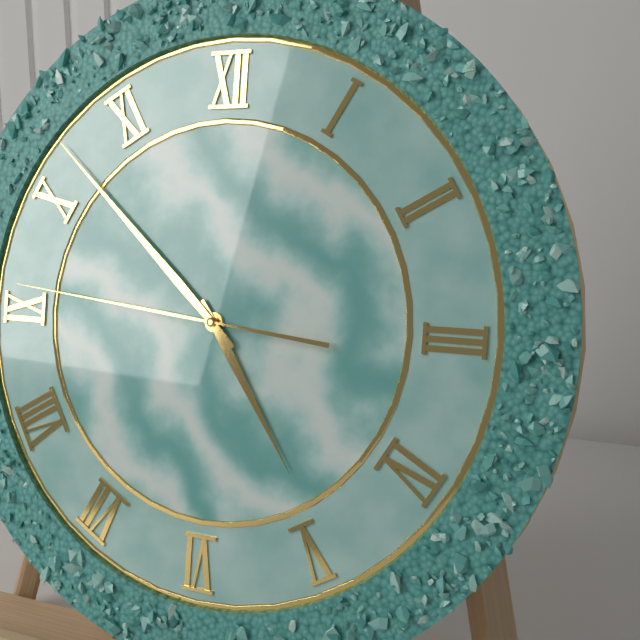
4:52:46
